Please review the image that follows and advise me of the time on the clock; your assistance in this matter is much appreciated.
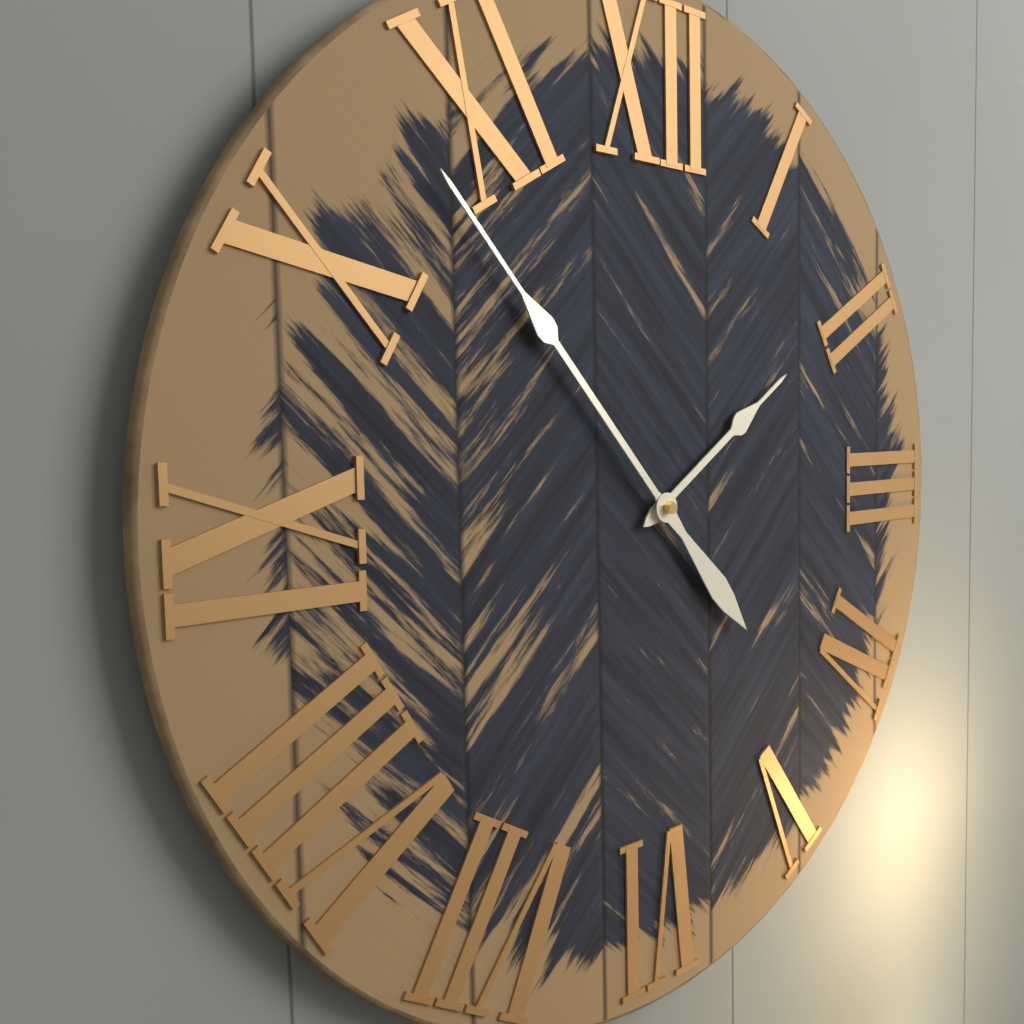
1:53
